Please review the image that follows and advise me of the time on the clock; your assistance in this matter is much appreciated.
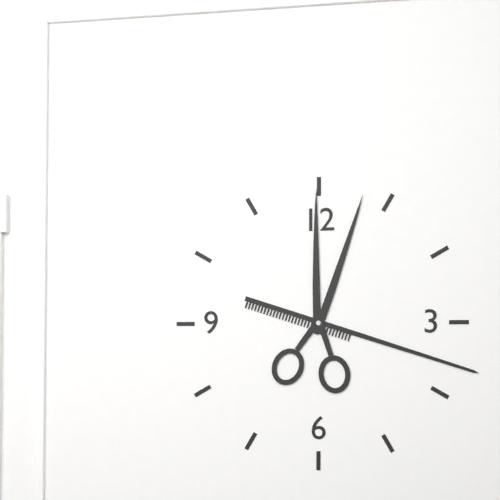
12:18
